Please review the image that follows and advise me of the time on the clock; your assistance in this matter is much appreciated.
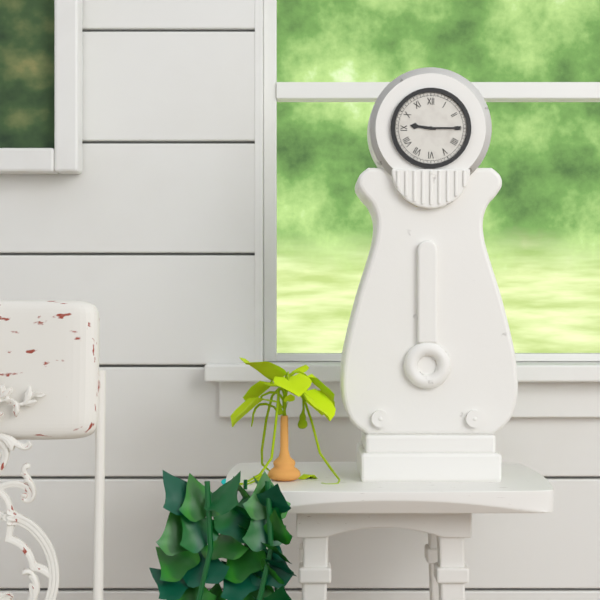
9:15
